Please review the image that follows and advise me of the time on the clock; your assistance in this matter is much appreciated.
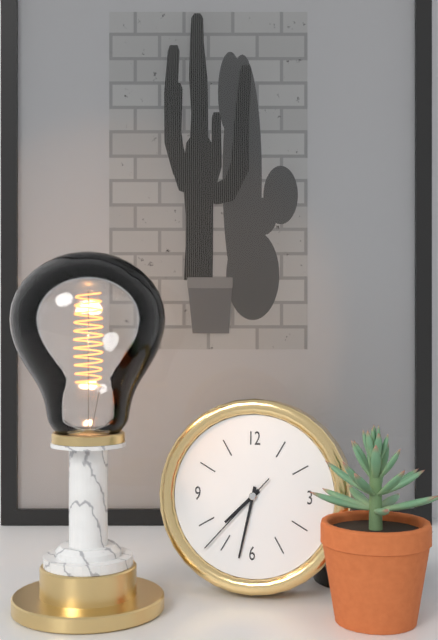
7:32:37
